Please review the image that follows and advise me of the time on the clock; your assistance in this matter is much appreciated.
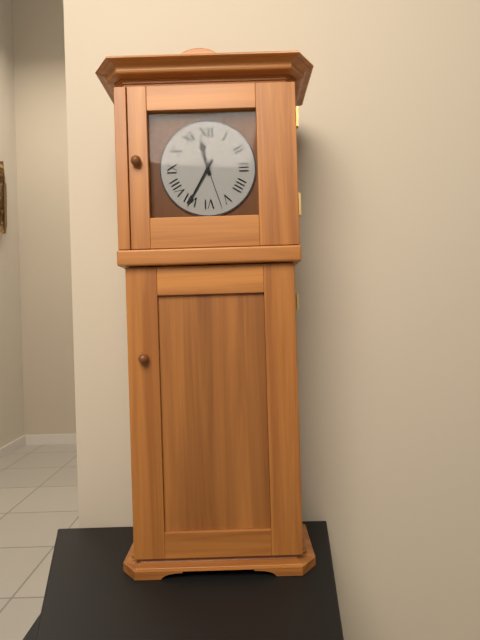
11:35:27
